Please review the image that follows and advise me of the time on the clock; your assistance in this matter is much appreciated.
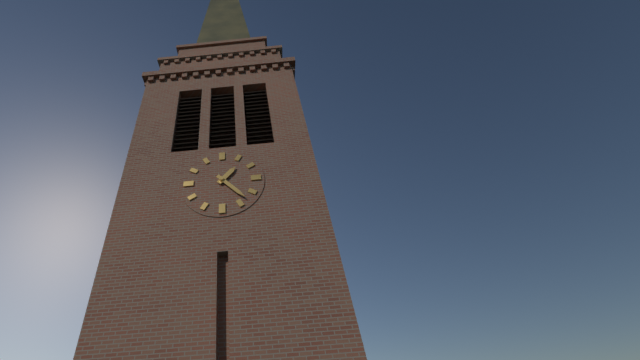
1:23
